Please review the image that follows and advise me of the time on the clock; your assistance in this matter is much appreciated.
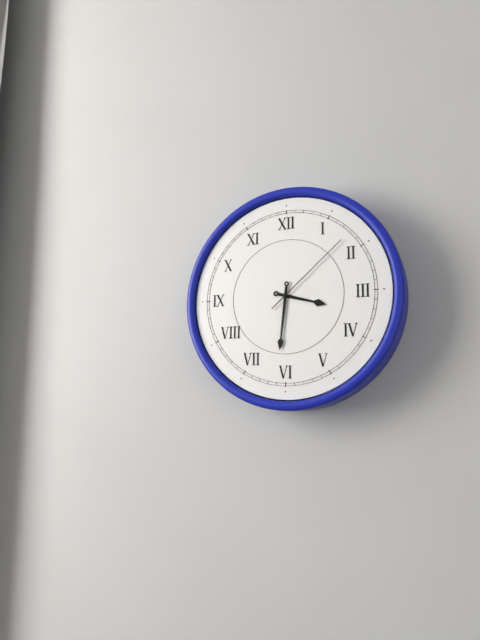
3:31:08
